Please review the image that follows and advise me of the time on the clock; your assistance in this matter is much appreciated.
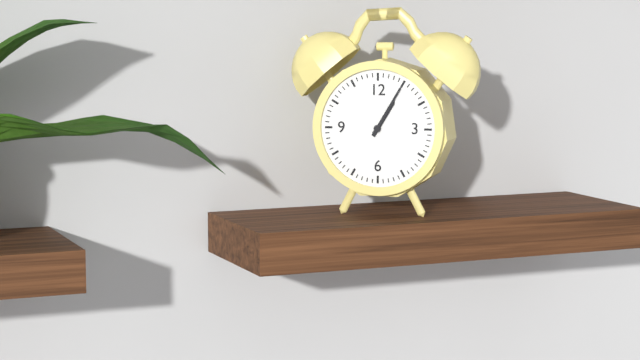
1:05
